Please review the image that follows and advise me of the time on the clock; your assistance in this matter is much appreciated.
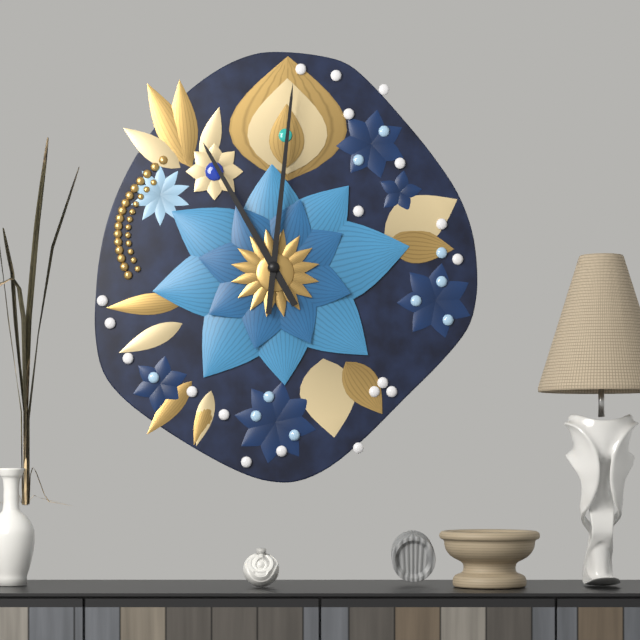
11:01
